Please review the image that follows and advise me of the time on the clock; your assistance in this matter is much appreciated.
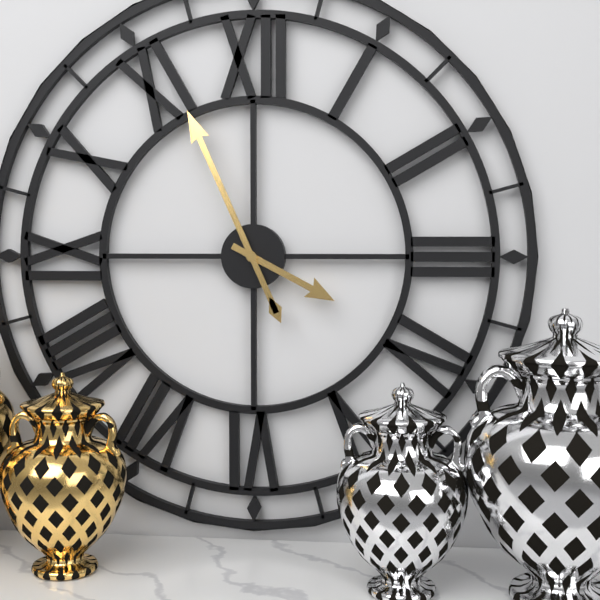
3:56
